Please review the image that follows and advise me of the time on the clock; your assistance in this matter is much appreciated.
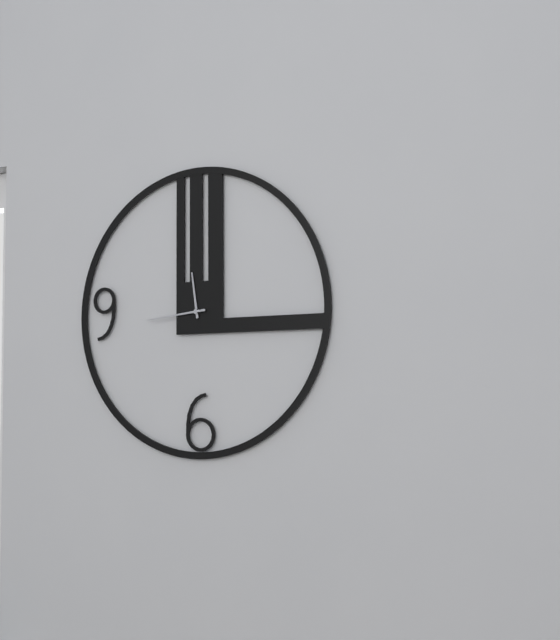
11:44
